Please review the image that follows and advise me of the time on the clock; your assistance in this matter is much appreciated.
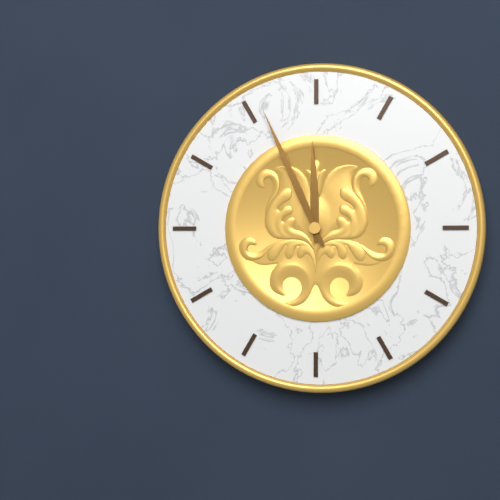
11:56
